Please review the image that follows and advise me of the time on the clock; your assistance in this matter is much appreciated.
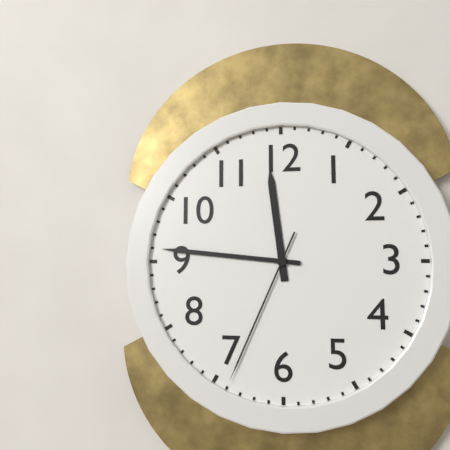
11:46:34
